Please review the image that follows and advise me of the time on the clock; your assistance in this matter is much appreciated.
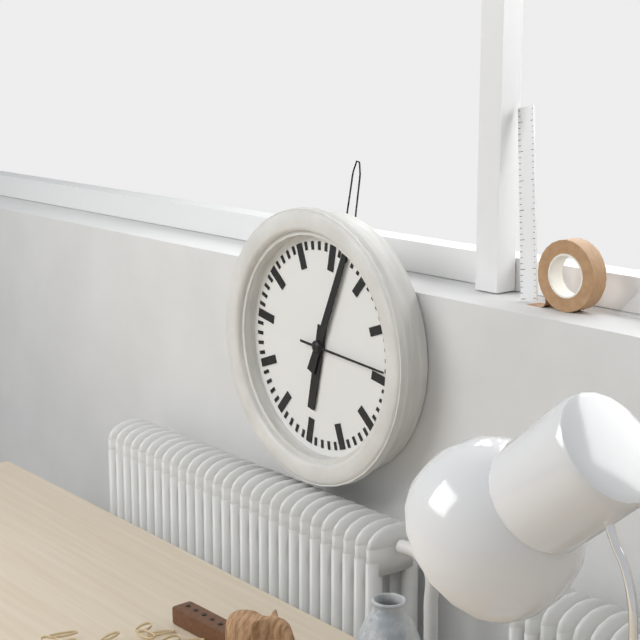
6:02:14
